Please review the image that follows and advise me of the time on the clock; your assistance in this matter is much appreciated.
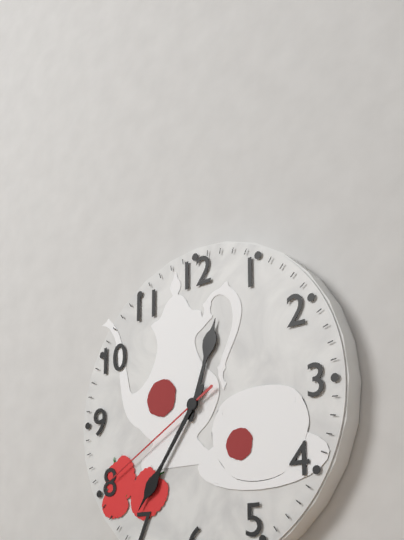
12:36:40
